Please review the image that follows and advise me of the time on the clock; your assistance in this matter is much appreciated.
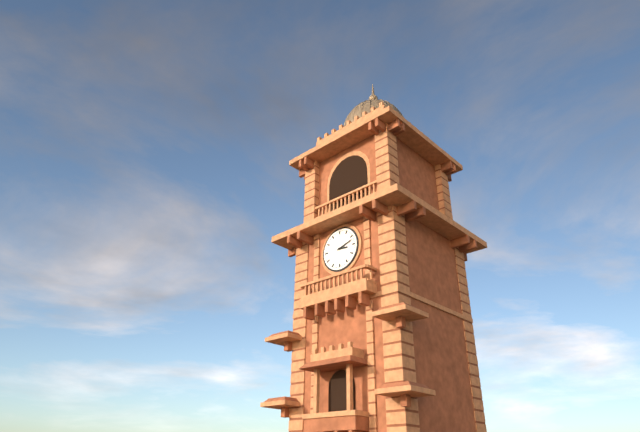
3:12
